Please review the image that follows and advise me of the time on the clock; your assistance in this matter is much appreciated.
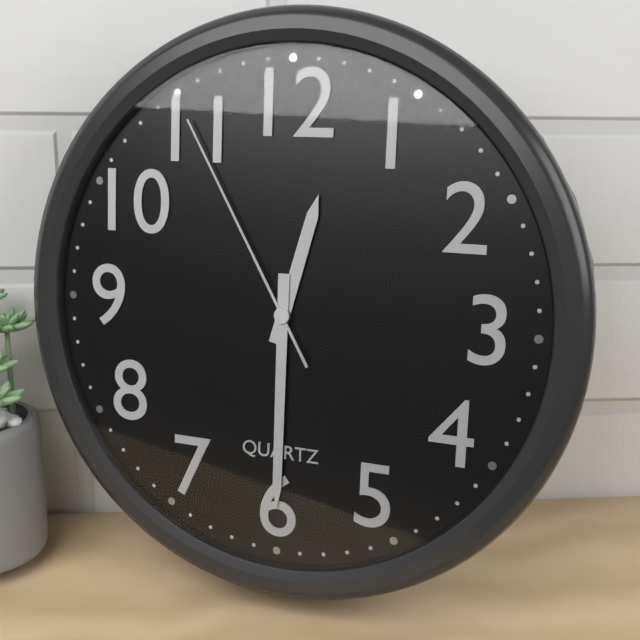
12:30:55
